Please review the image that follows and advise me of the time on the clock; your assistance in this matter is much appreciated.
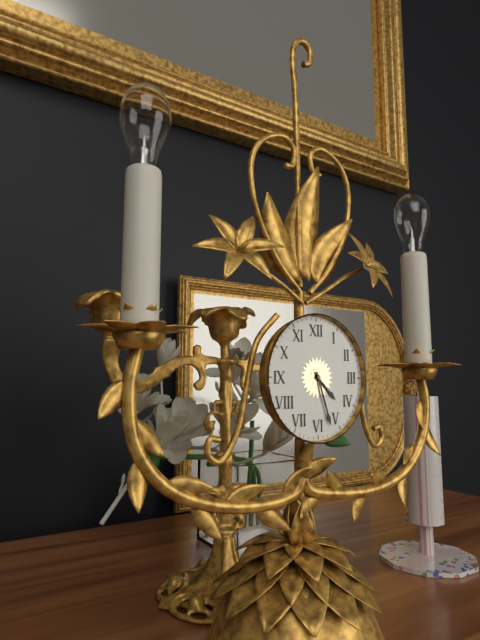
4:27
